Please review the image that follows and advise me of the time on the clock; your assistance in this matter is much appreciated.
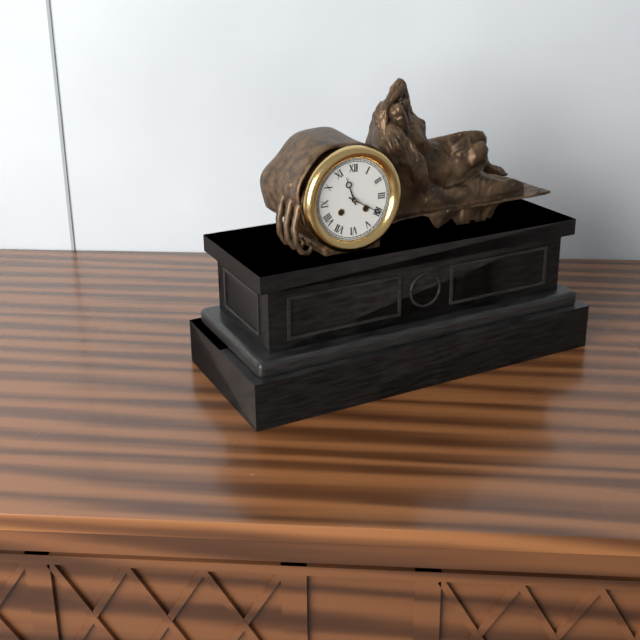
11:20
